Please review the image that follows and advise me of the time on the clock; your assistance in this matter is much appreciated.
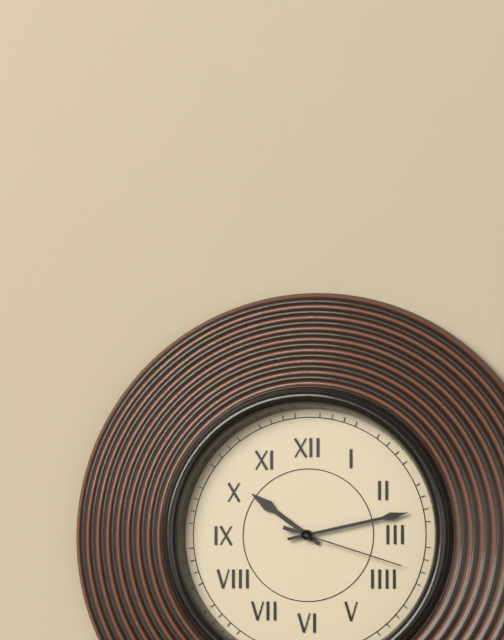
10:13:18
